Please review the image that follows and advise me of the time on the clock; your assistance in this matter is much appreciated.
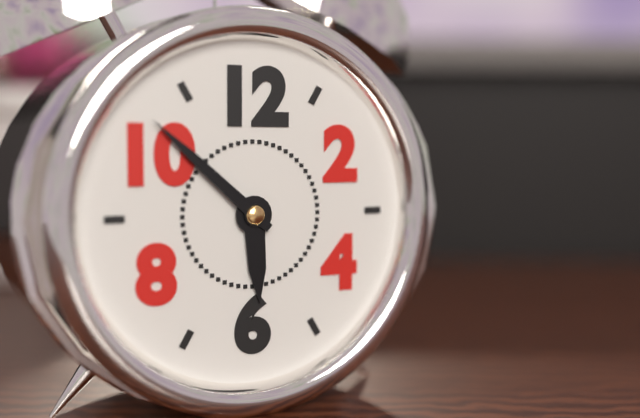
5:52
